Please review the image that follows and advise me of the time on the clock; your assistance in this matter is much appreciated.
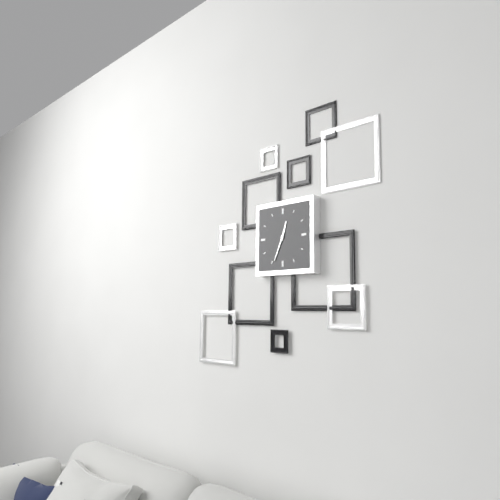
12:34
